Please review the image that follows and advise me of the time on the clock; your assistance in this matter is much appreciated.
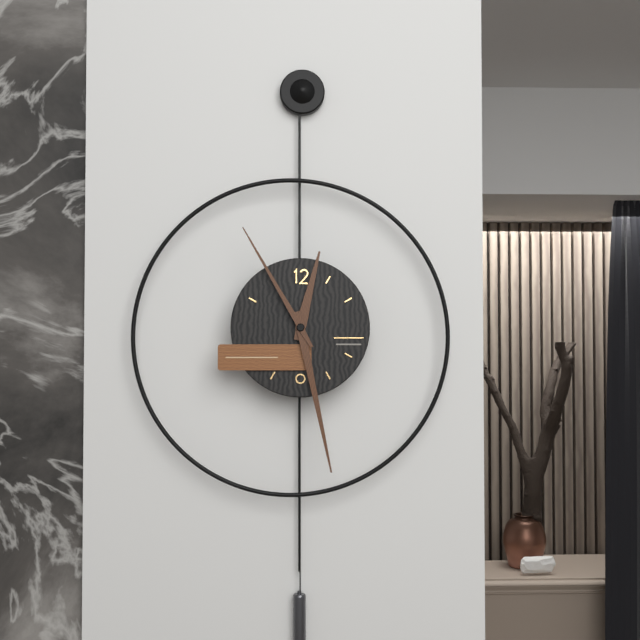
12:28:55
